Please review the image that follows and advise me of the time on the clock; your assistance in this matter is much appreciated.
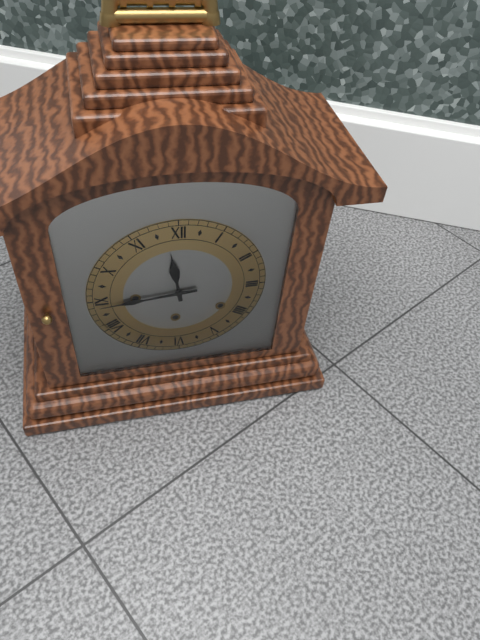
11:44
